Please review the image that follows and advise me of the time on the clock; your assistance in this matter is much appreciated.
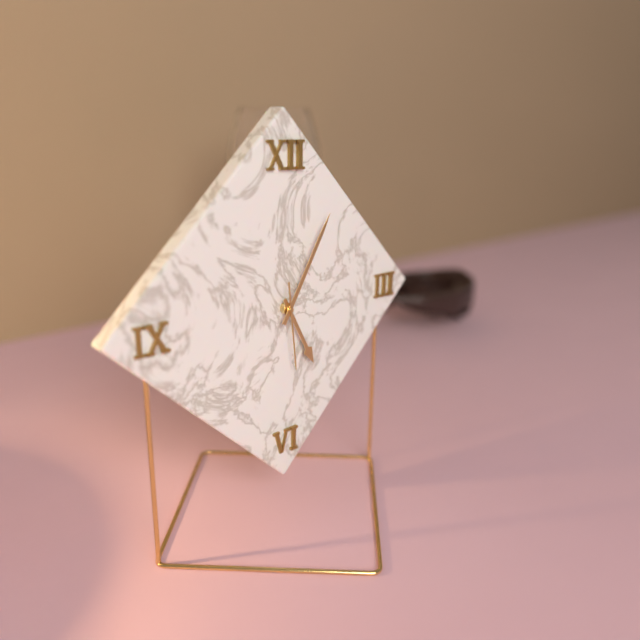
5:05:29
